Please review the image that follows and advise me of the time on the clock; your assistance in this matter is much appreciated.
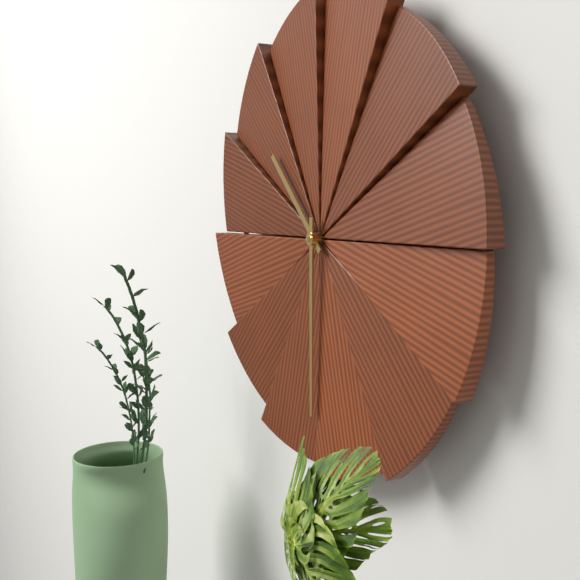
10:30
